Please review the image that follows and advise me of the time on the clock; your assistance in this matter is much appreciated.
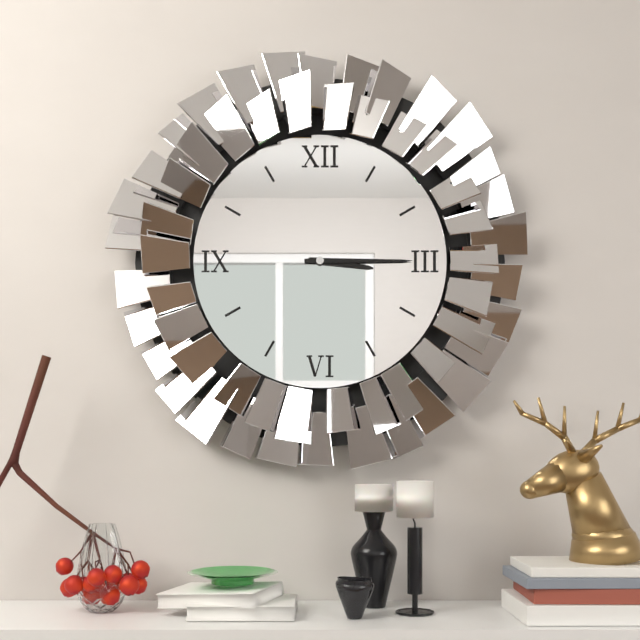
3:15
